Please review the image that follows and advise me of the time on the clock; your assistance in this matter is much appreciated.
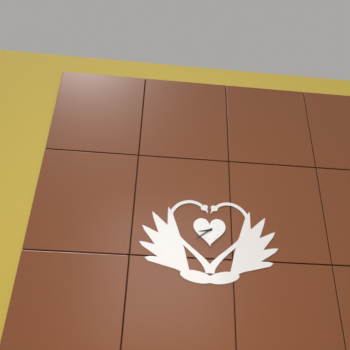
8:39
